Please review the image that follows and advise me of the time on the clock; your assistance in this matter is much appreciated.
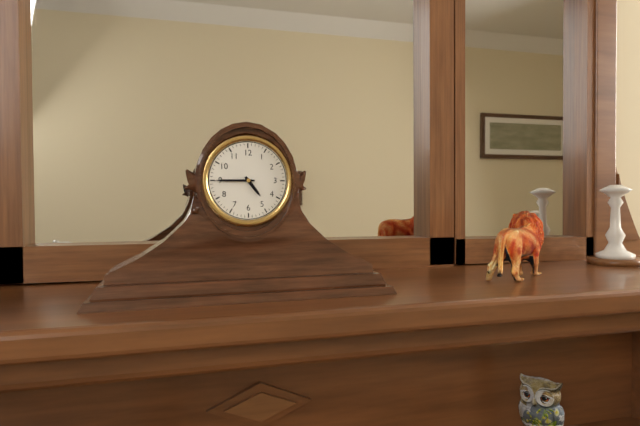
4:45
